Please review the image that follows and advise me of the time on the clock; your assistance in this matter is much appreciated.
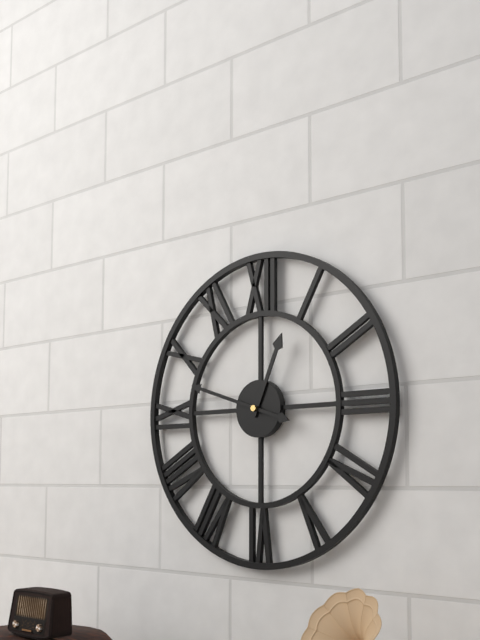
12:48
